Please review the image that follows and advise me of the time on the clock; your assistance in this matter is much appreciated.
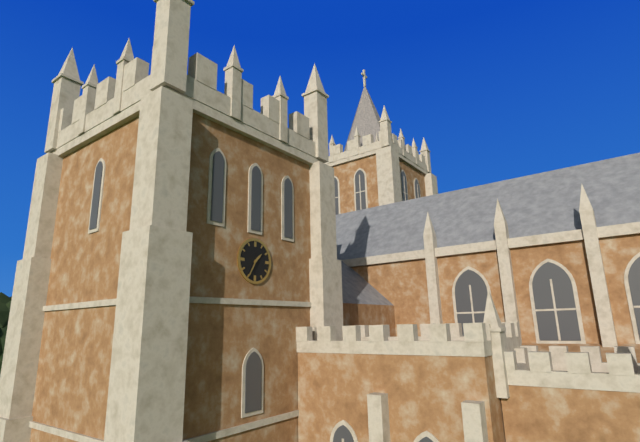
1:35
